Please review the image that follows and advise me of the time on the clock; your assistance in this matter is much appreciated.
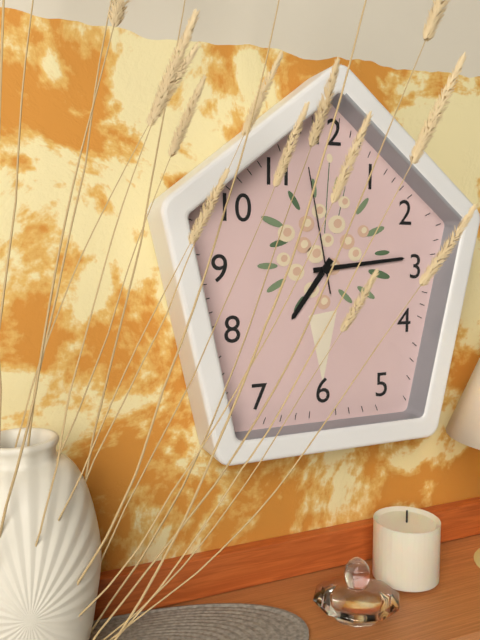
7:14:58
